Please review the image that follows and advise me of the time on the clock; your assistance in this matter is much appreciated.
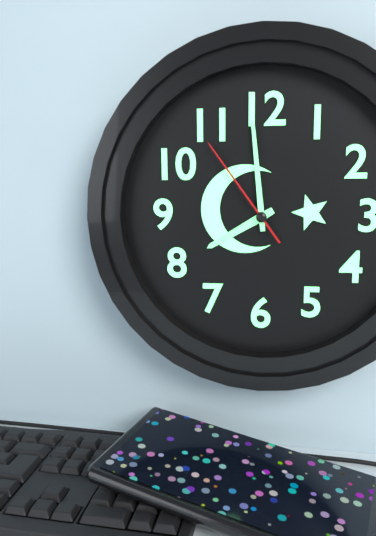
7:59:54
